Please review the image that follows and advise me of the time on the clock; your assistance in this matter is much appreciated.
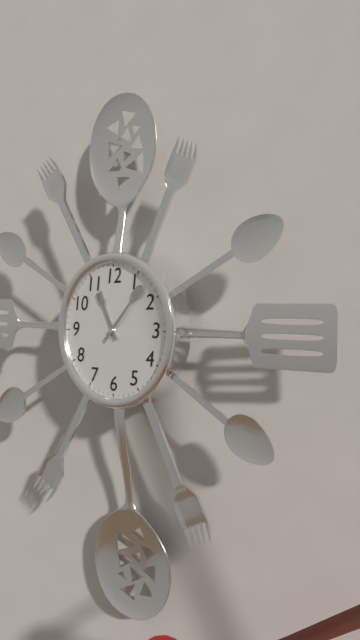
11:07
